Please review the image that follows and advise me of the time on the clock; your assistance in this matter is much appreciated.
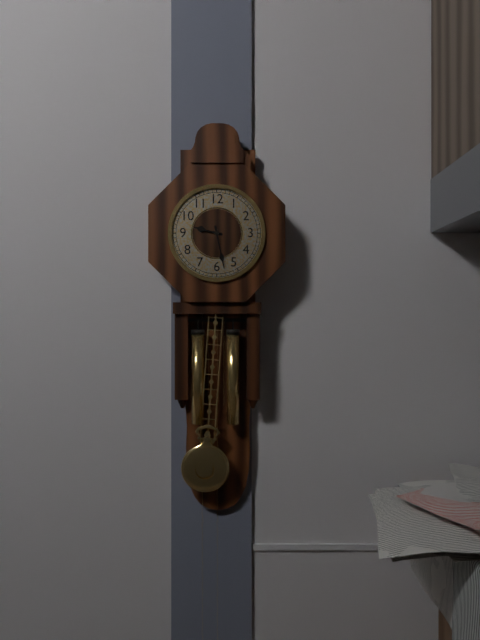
9:28
